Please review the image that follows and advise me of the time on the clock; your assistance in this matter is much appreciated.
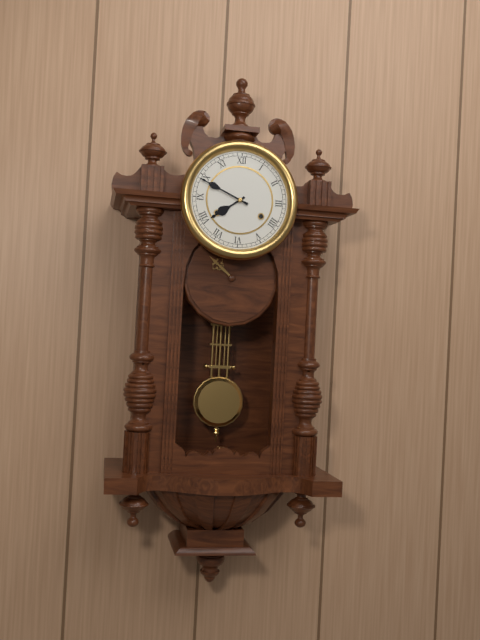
7:49
